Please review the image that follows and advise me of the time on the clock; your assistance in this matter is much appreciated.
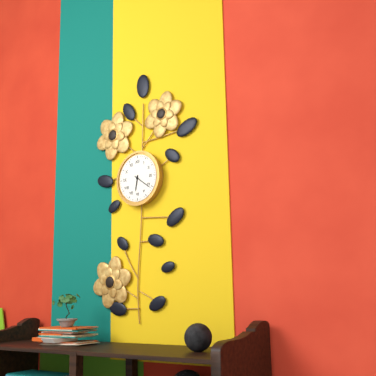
6:21
